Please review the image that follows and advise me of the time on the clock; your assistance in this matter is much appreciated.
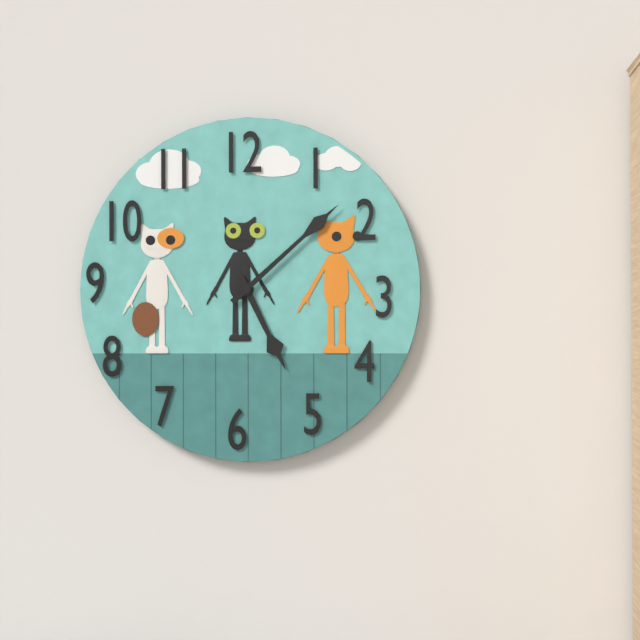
5:08
